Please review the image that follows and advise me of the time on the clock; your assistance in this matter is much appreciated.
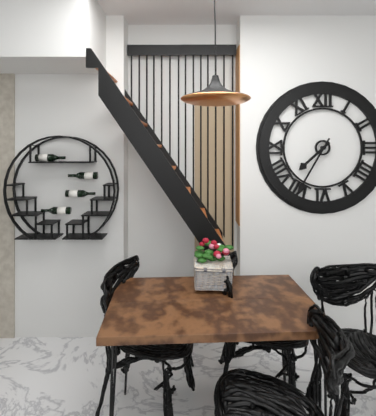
7:35
